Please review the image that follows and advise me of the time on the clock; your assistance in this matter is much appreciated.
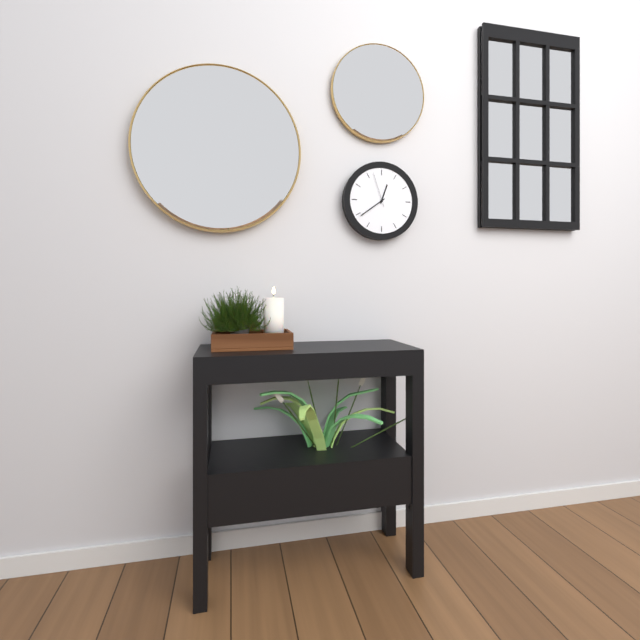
12:39
